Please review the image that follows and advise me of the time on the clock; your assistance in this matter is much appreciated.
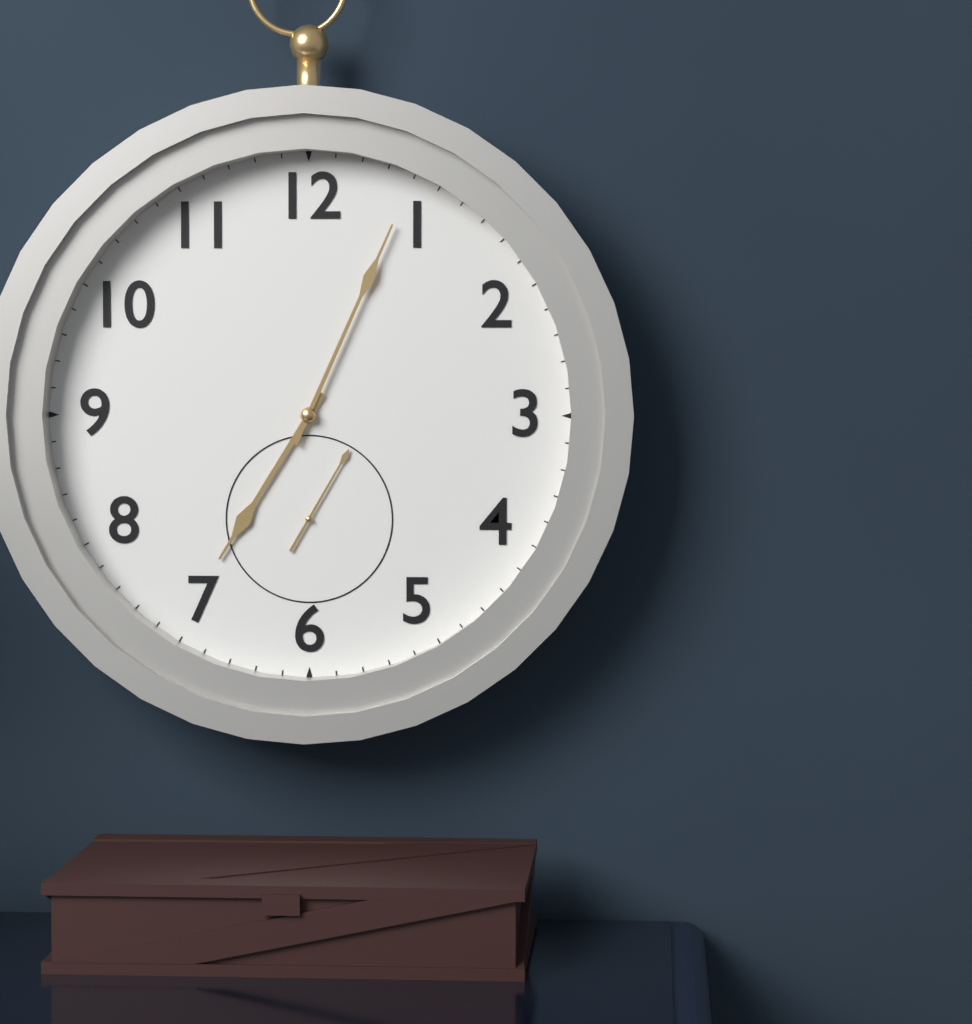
7:04:05
